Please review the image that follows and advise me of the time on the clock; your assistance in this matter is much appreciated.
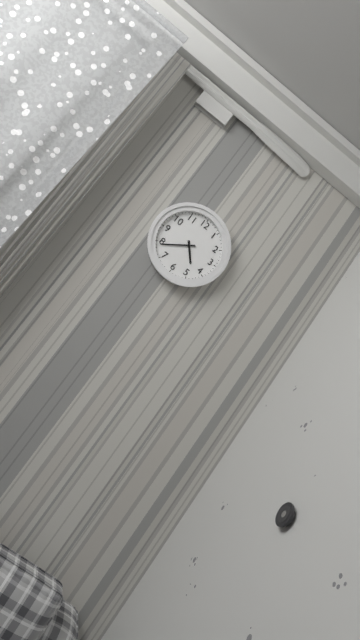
4:39
